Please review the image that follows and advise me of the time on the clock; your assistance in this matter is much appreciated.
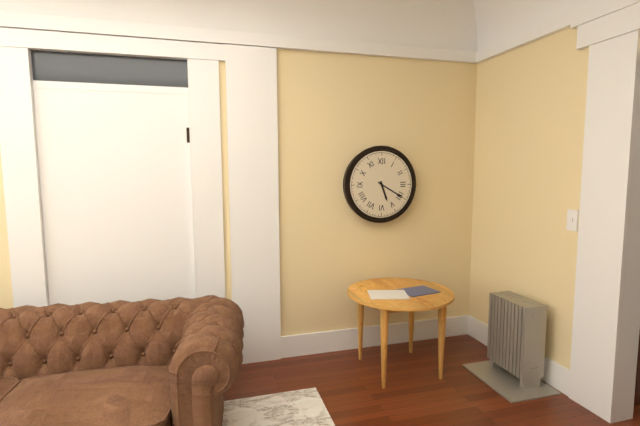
5:20
